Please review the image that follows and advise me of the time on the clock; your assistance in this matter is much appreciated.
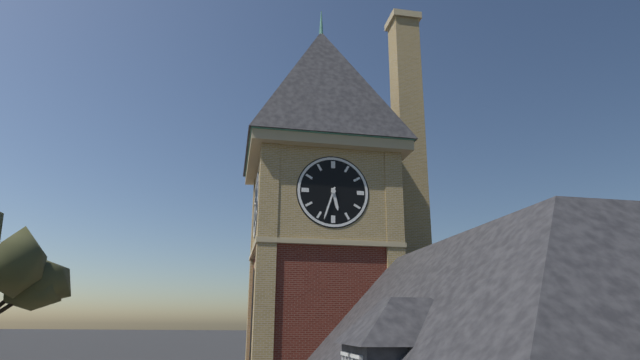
5:33
